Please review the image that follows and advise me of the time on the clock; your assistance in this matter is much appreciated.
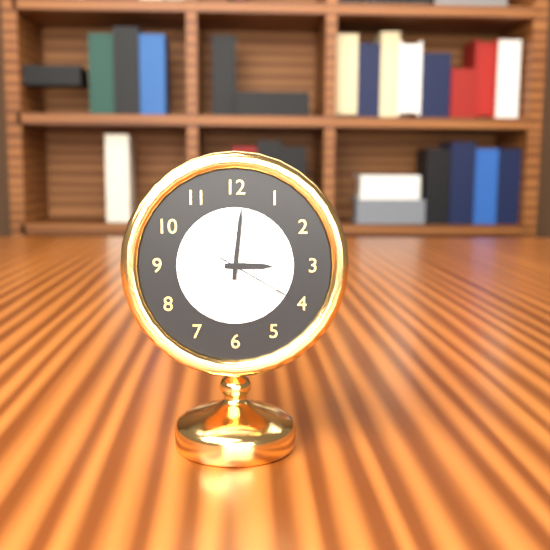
3:01:20
